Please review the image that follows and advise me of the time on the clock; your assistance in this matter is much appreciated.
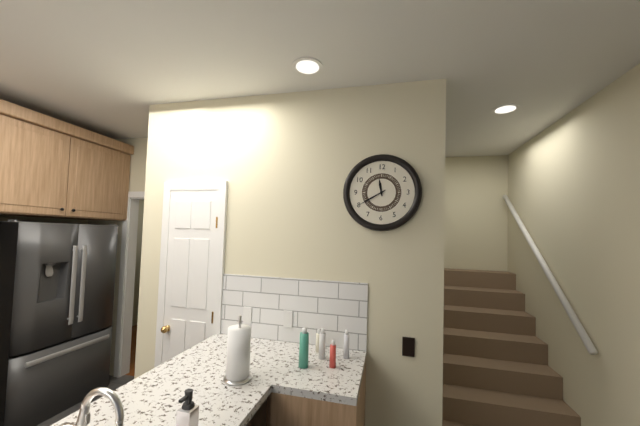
11:40
